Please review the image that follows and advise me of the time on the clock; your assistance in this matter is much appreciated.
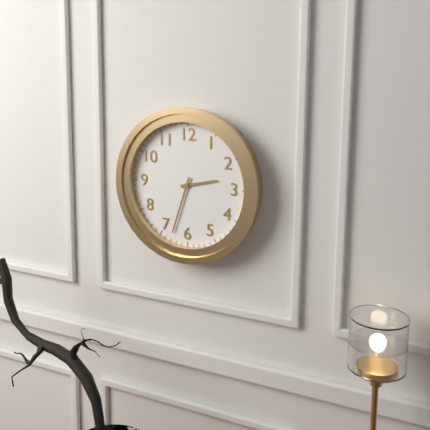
2:33
